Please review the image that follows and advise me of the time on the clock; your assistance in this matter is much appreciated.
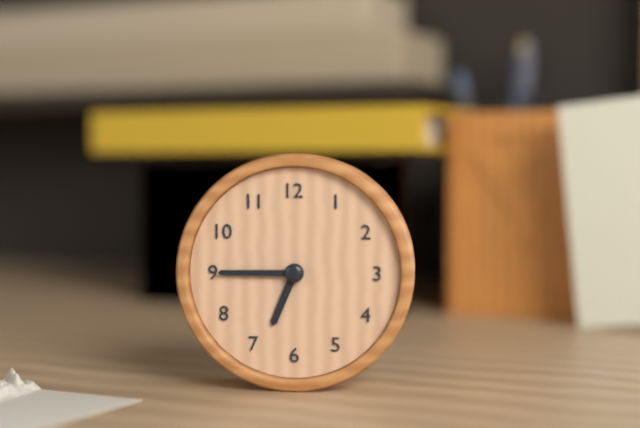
6:45
